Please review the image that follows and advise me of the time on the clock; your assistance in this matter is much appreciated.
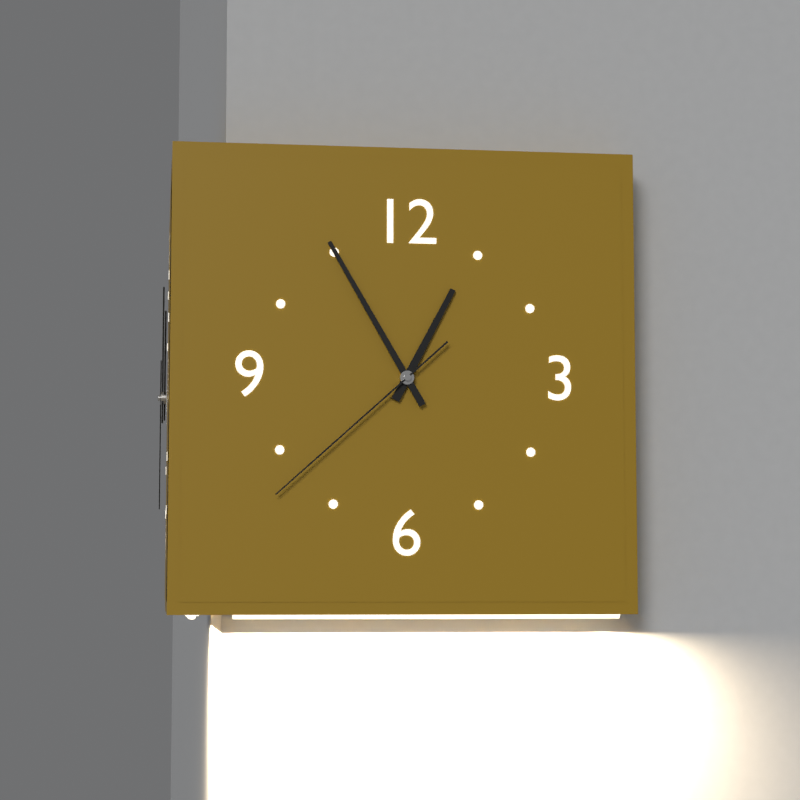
12:55:38
